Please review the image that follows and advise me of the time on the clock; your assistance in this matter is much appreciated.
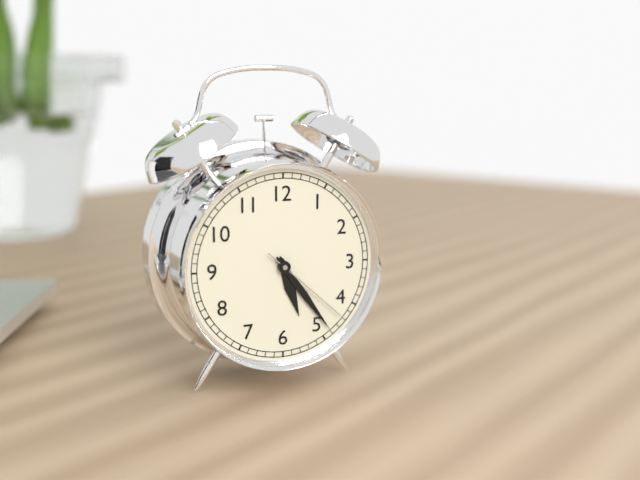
5:24:22
